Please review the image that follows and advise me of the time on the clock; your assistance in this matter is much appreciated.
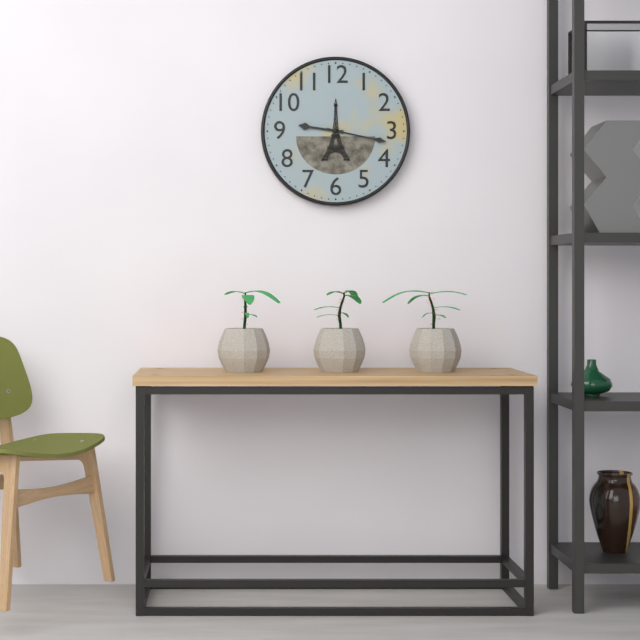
9:17
